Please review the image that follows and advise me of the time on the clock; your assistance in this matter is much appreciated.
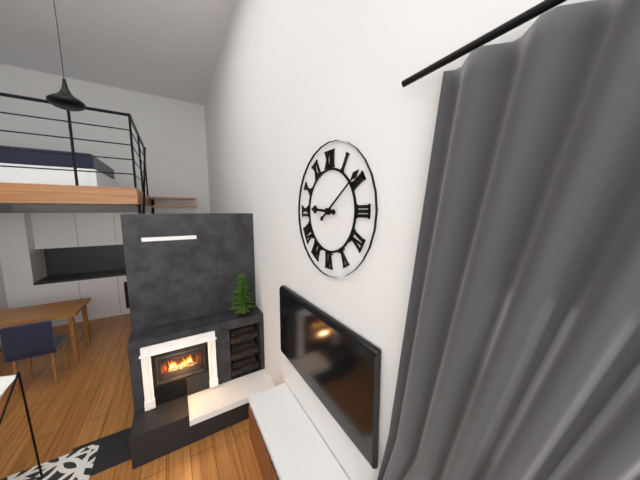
9:09
